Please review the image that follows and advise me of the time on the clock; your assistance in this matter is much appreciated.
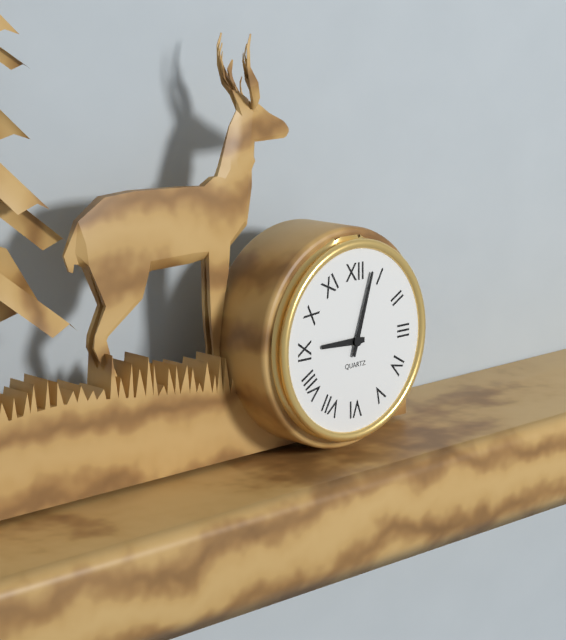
9:03
